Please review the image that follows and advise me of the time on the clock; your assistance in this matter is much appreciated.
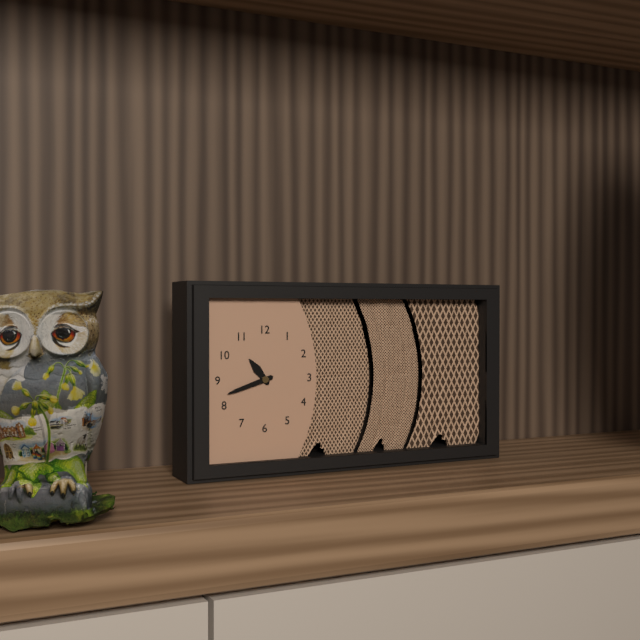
10:42
